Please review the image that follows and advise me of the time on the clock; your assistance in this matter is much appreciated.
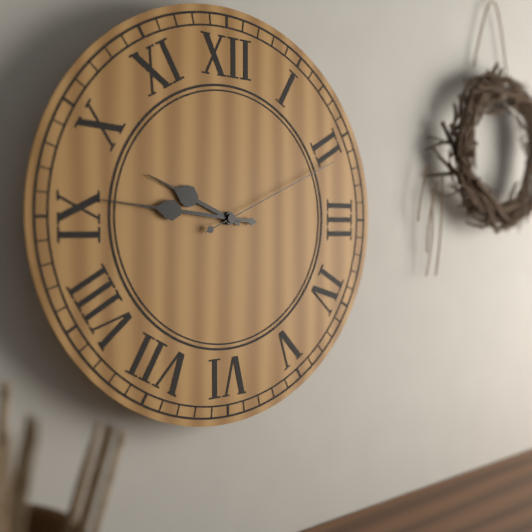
9:46:11
